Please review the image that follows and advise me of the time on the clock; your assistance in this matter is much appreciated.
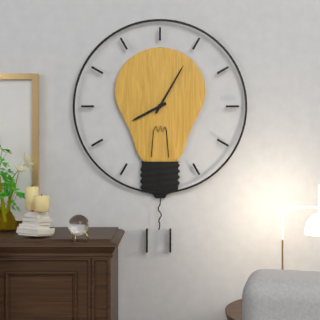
8:05
